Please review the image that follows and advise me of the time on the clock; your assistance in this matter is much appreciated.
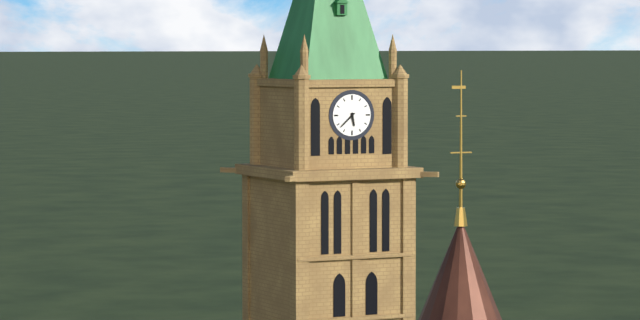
5:38
